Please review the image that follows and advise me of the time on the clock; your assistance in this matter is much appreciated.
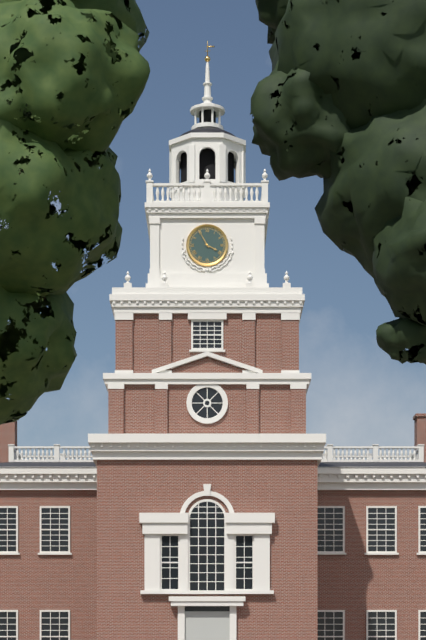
3:55
